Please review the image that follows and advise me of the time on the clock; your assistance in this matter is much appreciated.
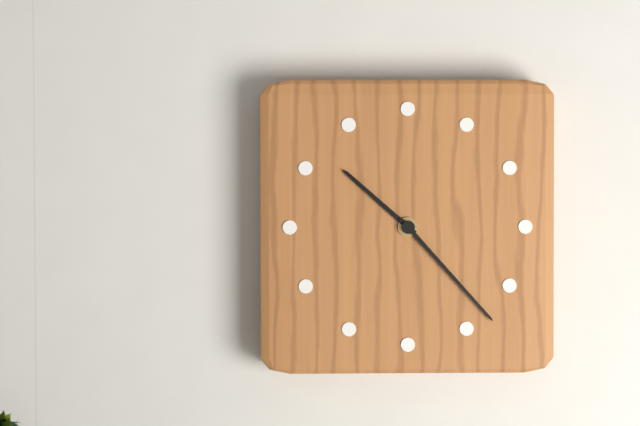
10:23
